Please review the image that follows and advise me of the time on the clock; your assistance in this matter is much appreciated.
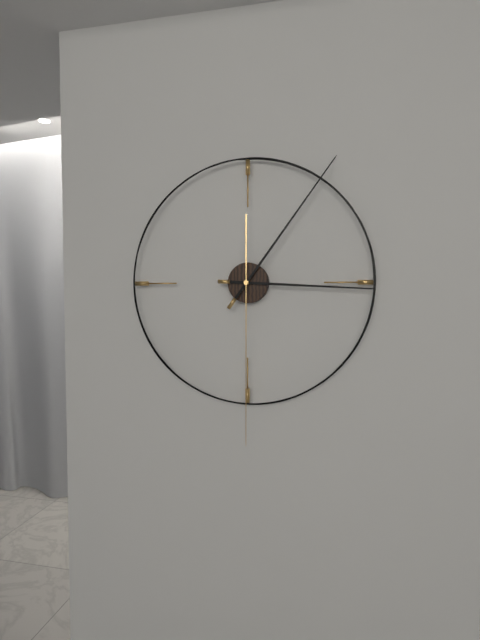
3:06:30
